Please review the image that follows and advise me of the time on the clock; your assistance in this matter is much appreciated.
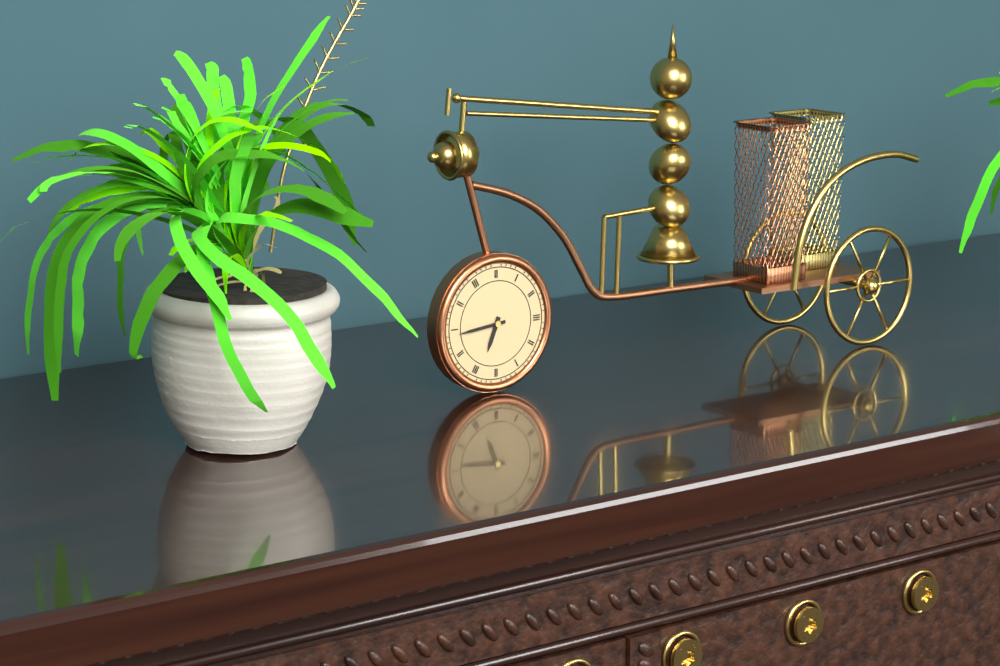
6:44
